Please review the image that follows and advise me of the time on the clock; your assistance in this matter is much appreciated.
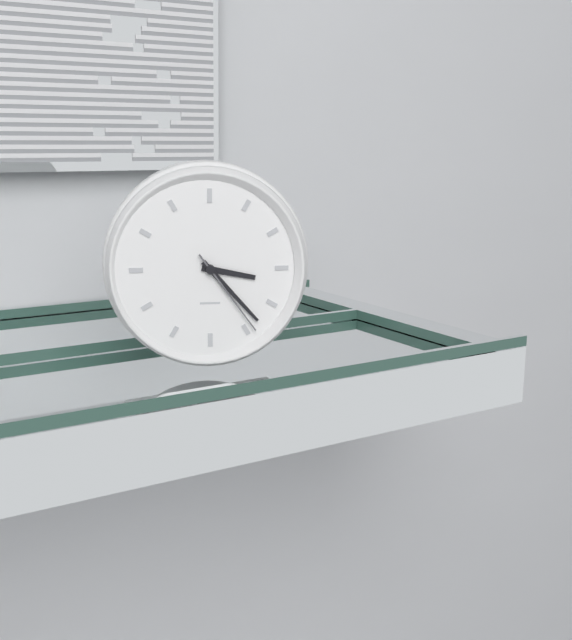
3:23:24
